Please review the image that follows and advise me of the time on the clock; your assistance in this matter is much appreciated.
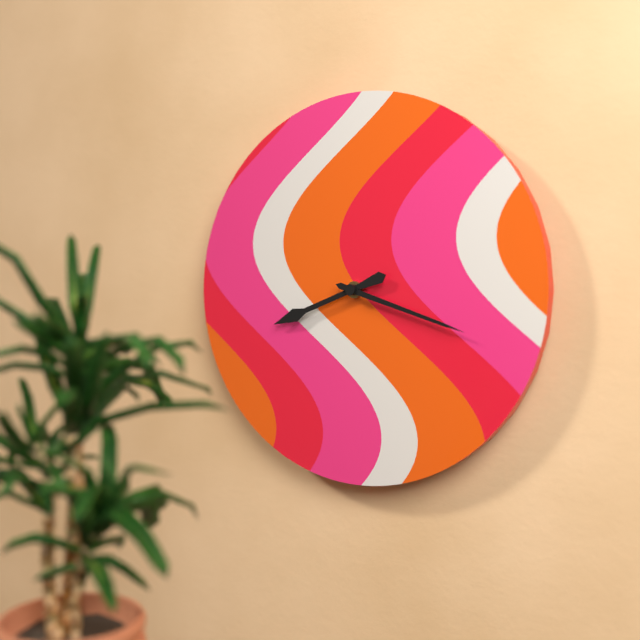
8:18
